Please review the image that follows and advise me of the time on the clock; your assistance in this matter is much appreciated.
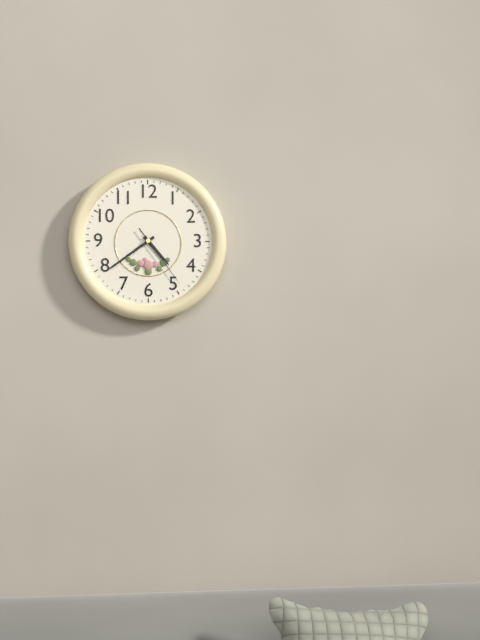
4:39:24
